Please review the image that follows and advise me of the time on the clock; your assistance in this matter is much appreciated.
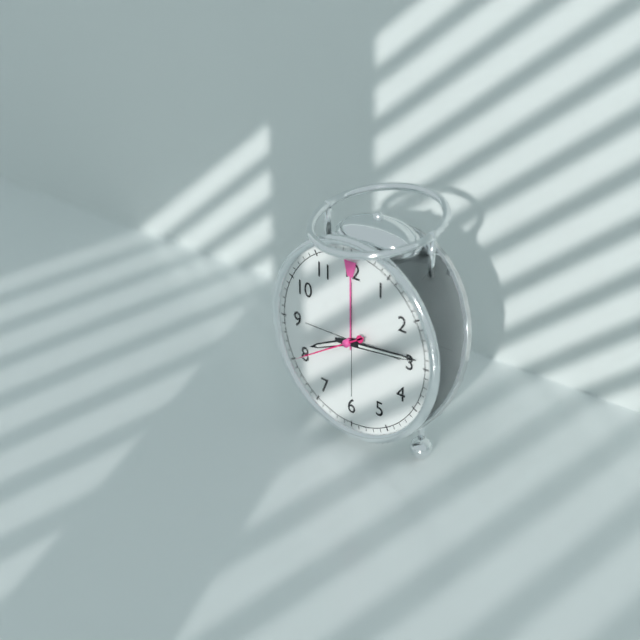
8:14:40
